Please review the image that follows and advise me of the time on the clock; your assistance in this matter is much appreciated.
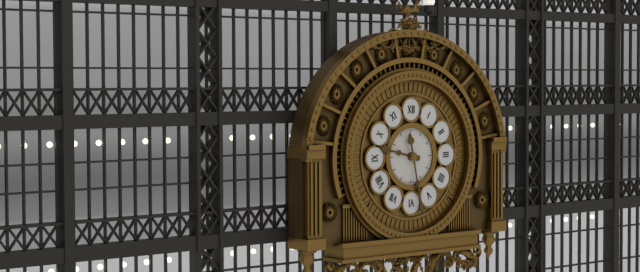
9:28
